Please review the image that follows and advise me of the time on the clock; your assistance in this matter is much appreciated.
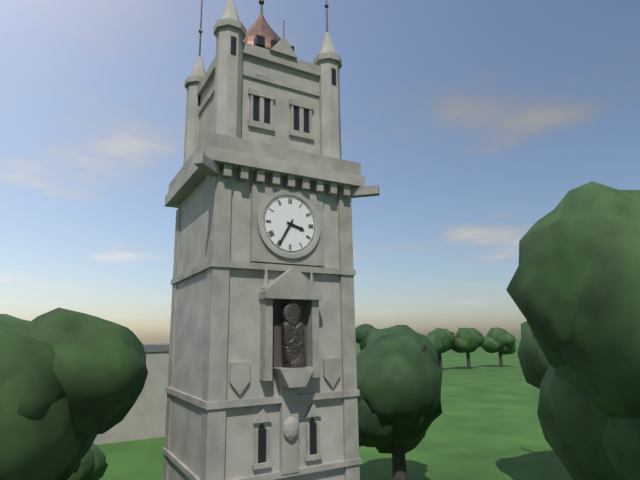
3:35
